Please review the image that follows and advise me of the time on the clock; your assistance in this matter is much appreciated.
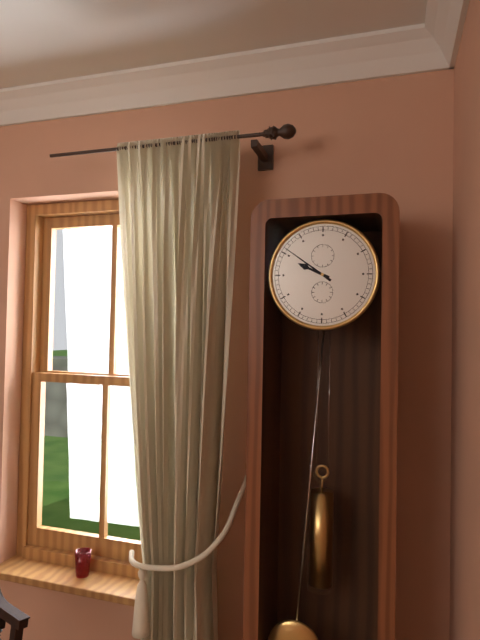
9:51
